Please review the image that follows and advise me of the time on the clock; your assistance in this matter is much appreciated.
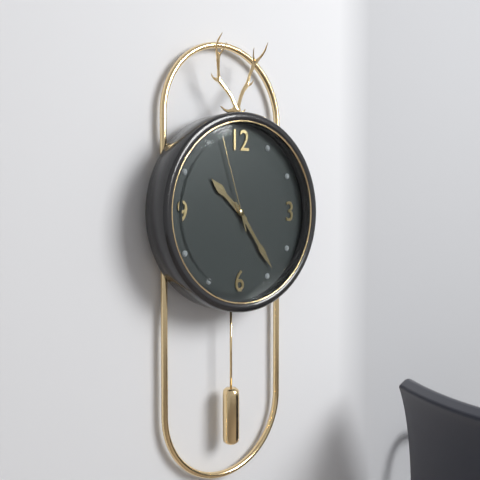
10:24:57
